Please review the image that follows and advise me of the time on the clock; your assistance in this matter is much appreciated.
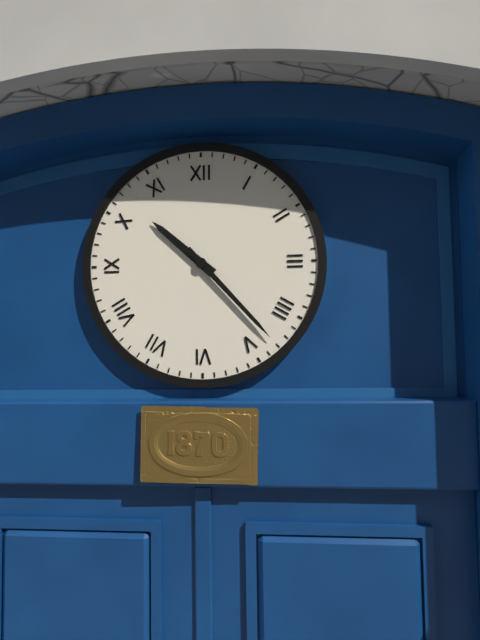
10:23
